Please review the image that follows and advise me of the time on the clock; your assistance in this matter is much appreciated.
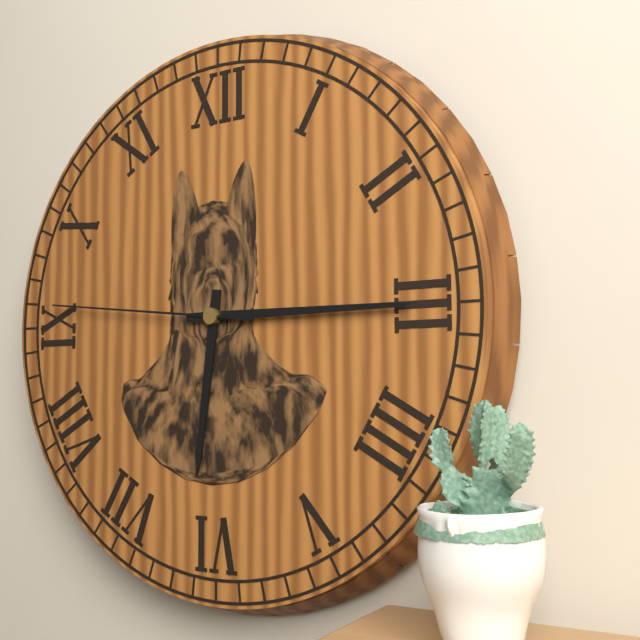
6:15:46
